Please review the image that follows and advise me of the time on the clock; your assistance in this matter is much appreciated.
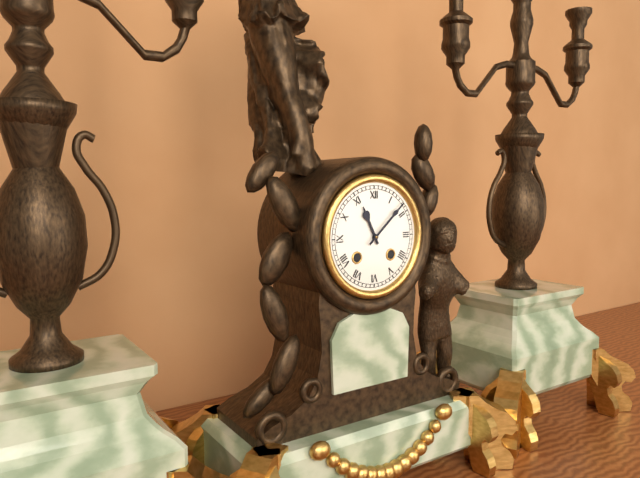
11:08
